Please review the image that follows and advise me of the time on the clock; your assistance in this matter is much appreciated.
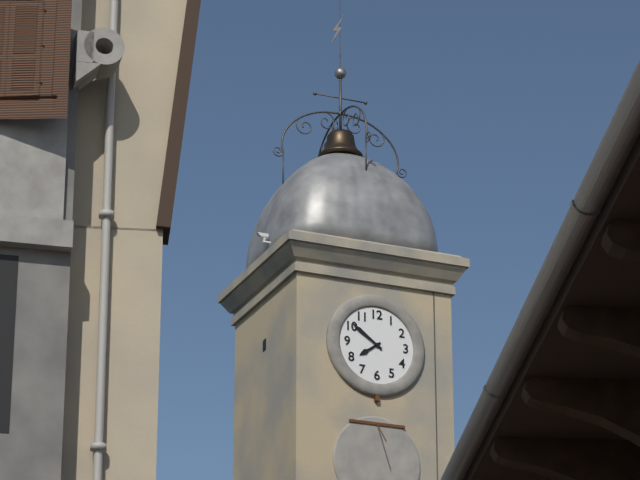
7:51
